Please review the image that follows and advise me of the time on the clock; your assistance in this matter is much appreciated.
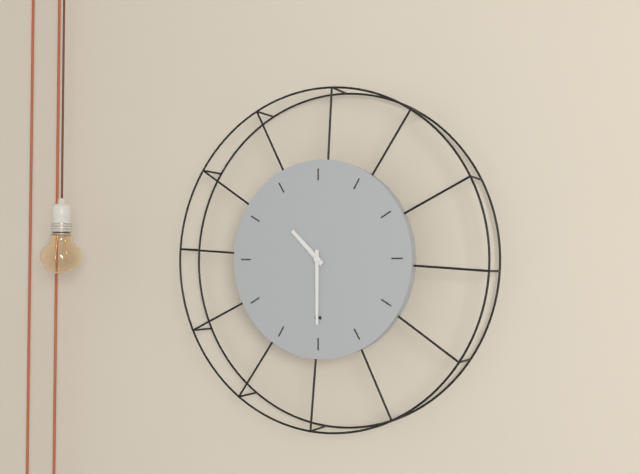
10:30
